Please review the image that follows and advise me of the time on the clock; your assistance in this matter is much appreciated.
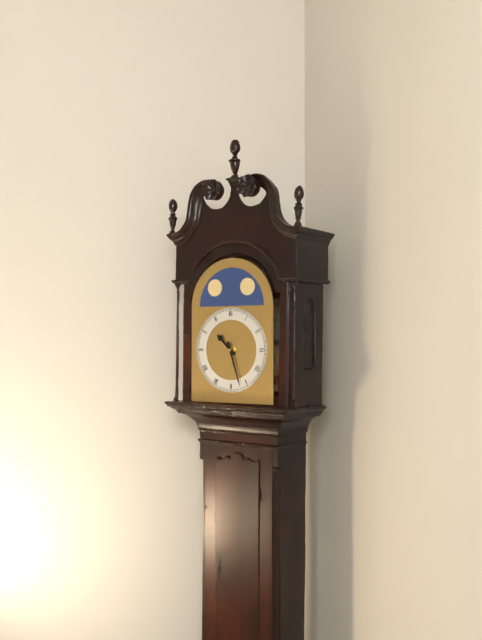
10:27
